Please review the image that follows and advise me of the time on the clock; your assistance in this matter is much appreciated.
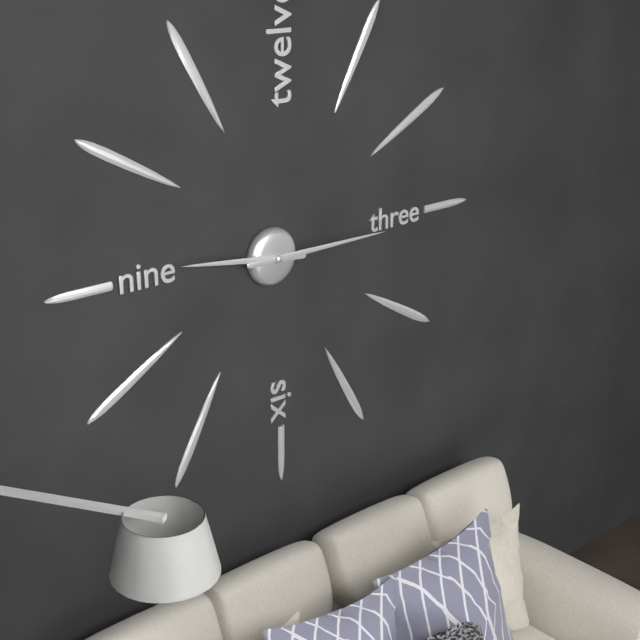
9:15
